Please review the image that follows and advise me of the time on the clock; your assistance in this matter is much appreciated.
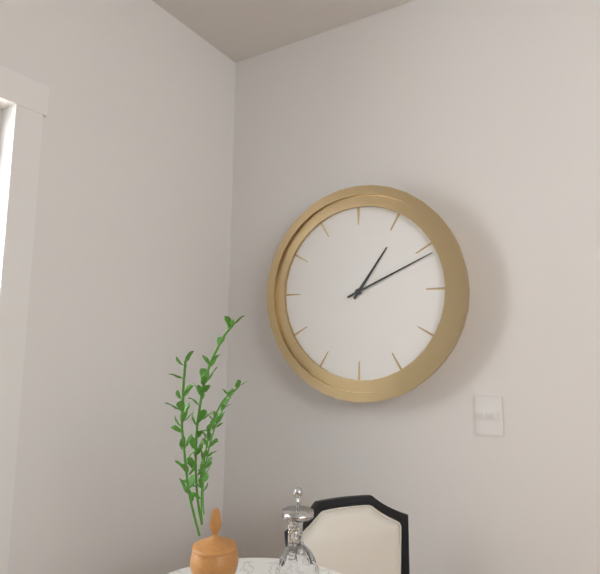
1:11
